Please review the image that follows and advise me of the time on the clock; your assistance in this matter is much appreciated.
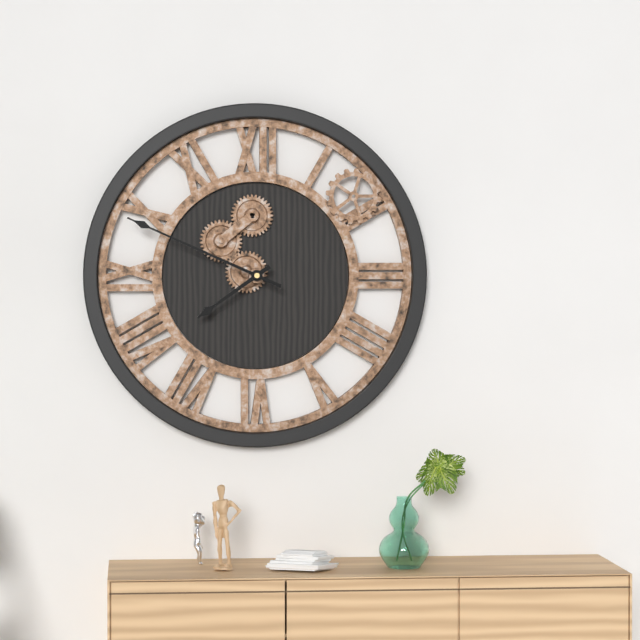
7:49
